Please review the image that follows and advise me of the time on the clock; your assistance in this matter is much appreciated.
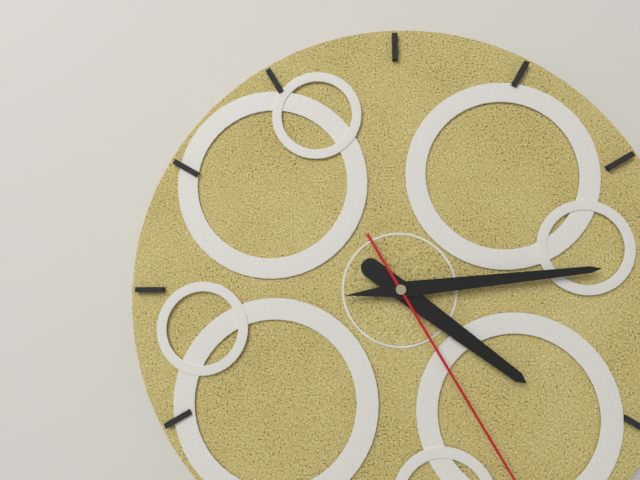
4:14
